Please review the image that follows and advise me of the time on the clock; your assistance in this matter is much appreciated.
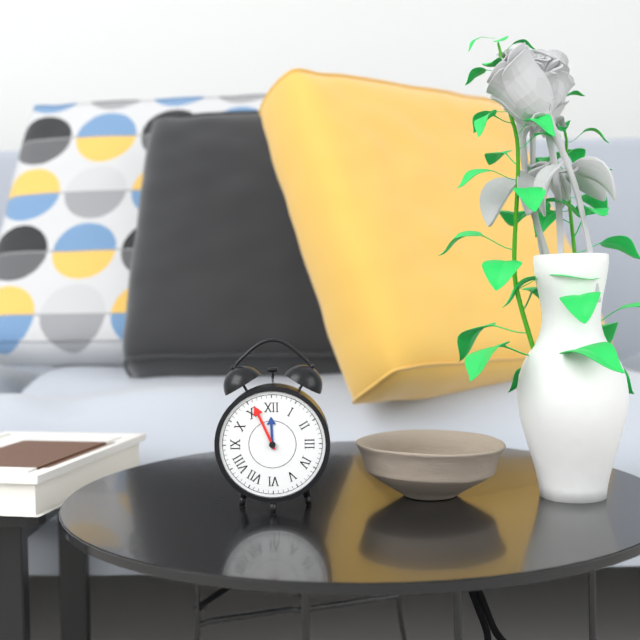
11:56
